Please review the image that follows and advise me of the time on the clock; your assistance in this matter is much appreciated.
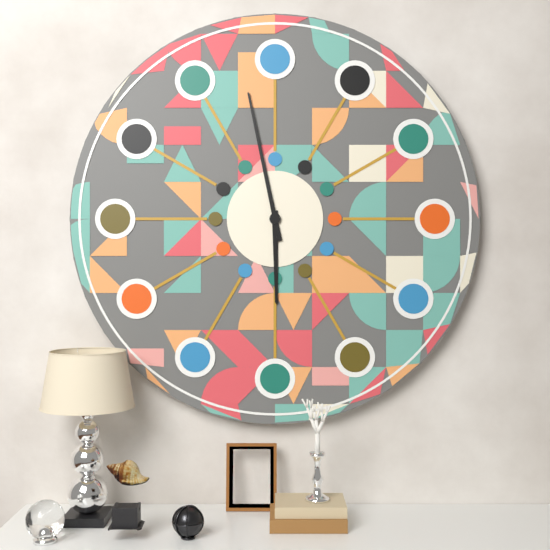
5:58
